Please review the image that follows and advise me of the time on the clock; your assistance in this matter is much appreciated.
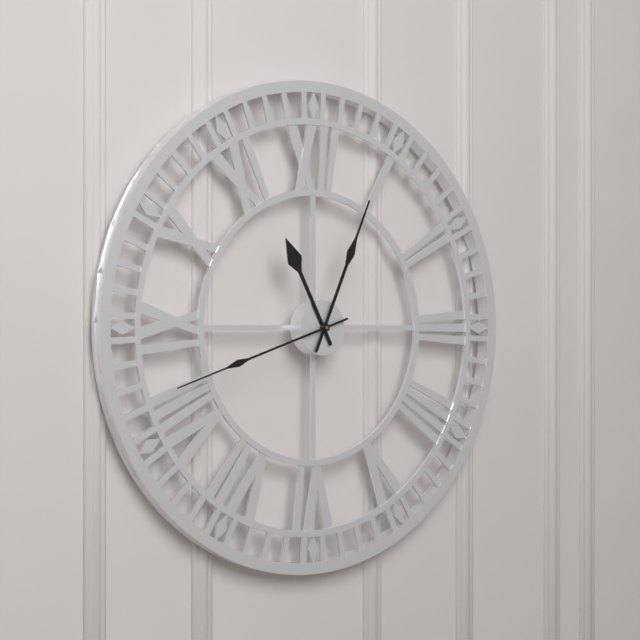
11:04:42
